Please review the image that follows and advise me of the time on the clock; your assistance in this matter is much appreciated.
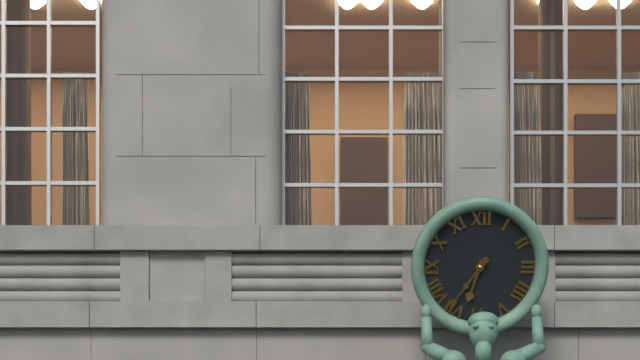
6:36
